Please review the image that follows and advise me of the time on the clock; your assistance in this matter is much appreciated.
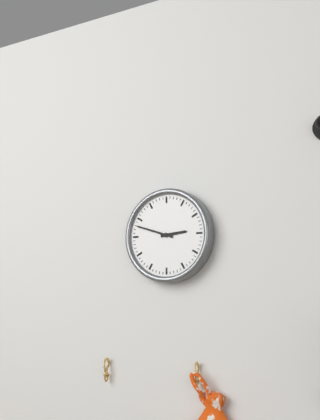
2:48
